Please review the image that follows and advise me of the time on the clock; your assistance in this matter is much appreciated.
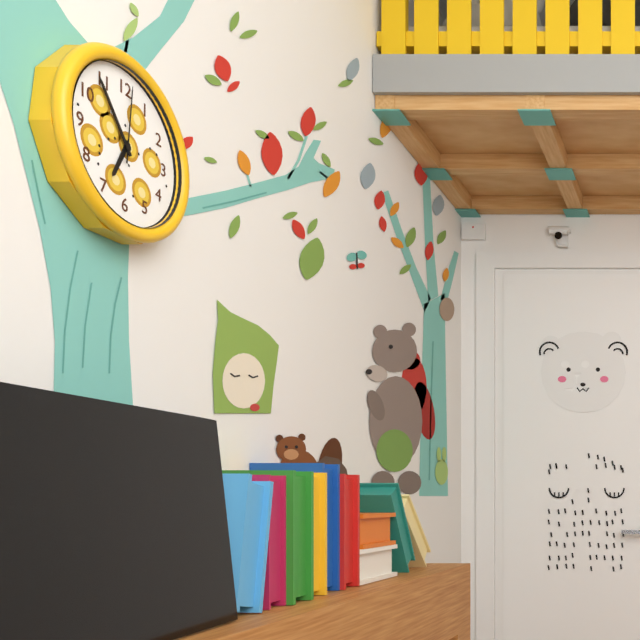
6:54:01
